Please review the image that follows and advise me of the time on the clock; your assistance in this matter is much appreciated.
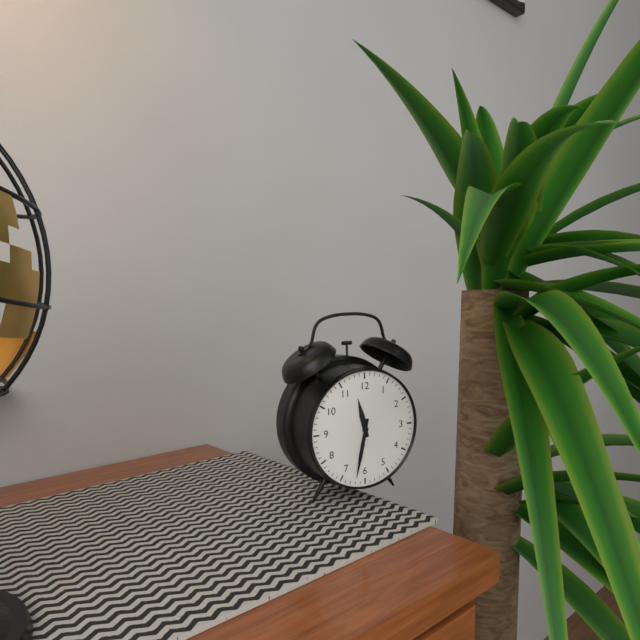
11:32
